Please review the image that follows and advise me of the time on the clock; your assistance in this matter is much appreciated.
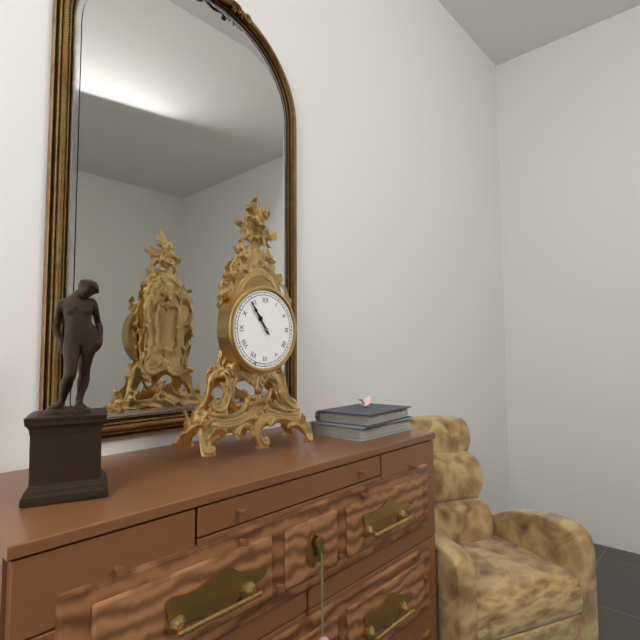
10:54
